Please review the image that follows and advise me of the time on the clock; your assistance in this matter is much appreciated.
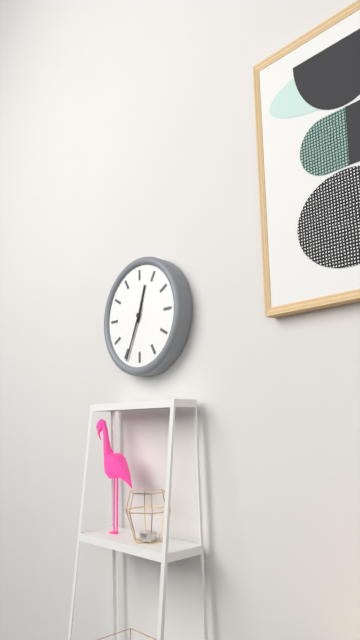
12:34
